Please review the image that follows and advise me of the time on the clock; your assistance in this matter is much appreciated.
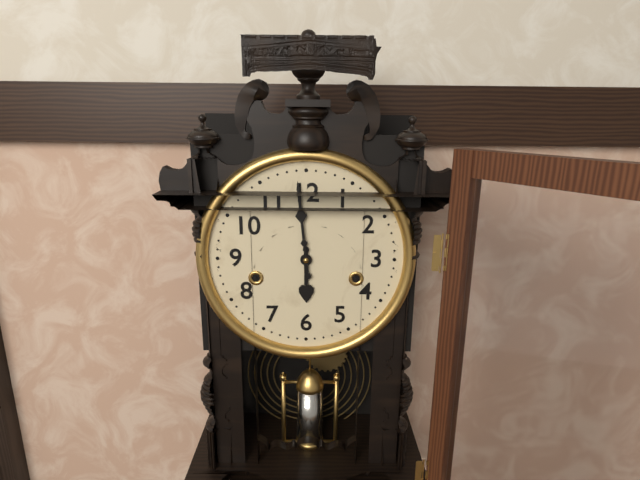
5:59
